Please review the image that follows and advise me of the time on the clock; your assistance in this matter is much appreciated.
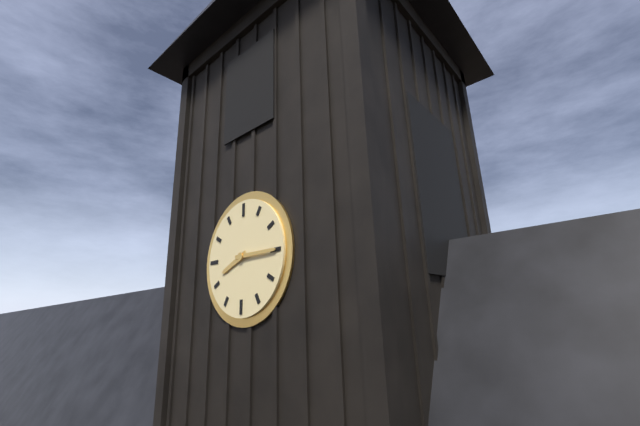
8:15
